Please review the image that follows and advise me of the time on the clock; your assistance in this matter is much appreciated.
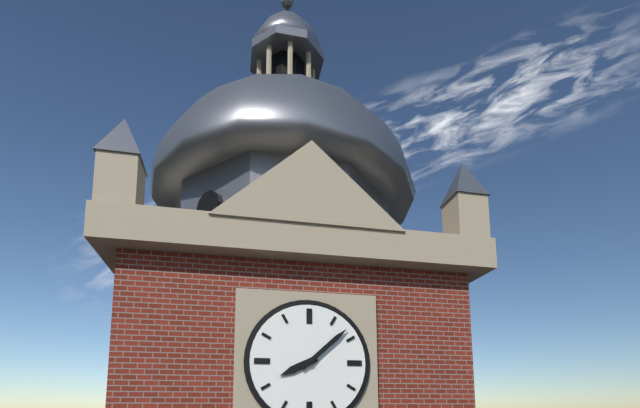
8:08
